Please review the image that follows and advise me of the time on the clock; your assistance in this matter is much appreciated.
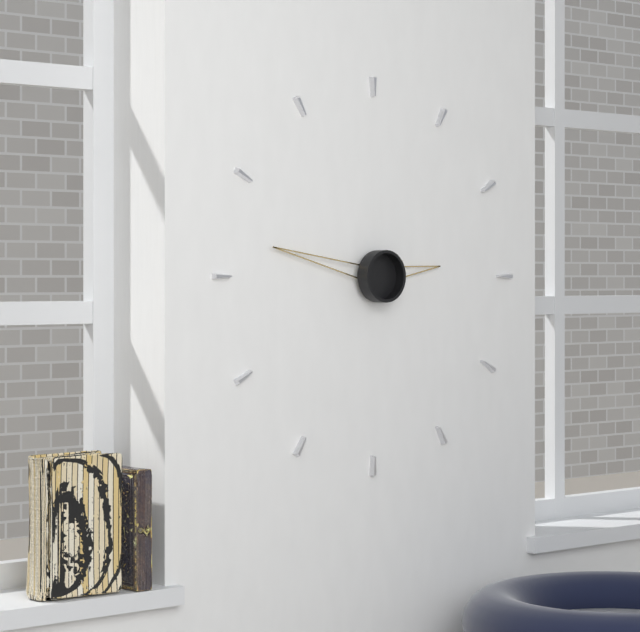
2:47
